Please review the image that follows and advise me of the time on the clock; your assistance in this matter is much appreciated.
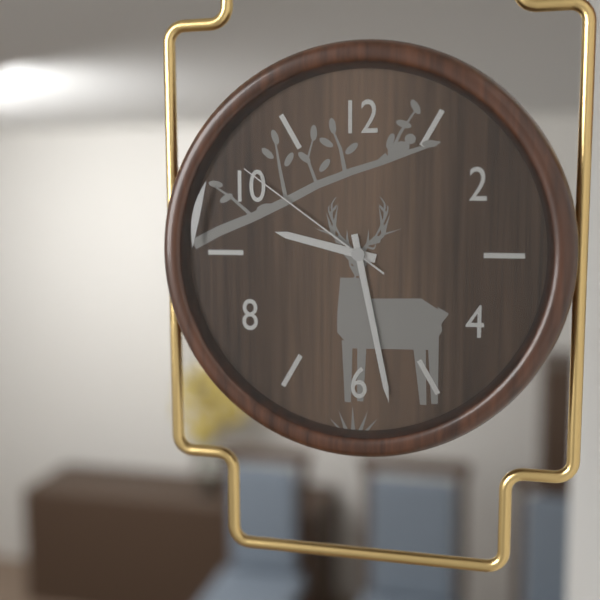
9:28:51
